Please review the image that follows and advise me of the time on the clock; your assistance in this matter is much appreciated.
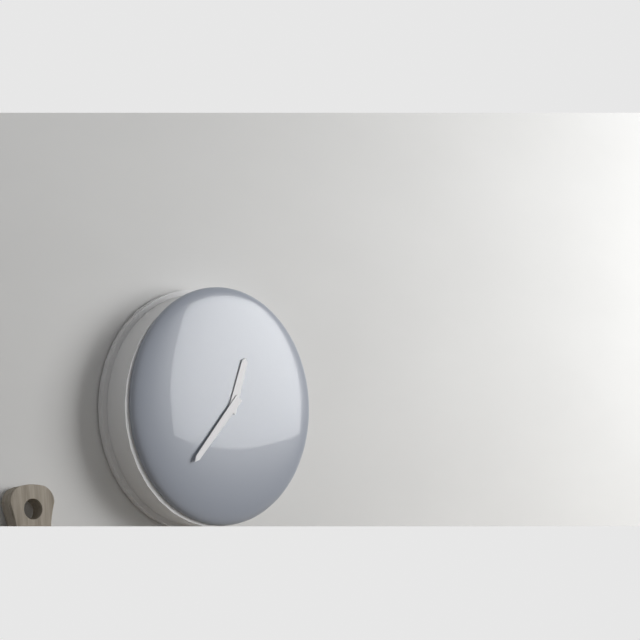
12:37
